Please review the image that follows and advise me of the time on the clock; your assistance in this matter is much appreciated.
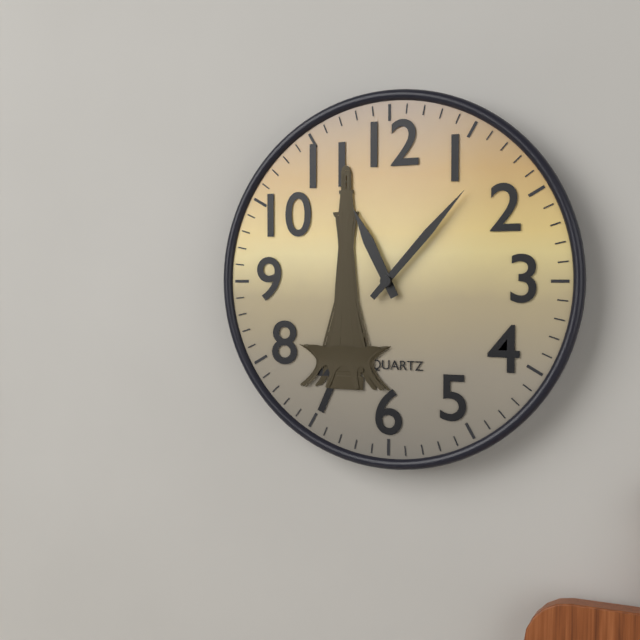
11:07
